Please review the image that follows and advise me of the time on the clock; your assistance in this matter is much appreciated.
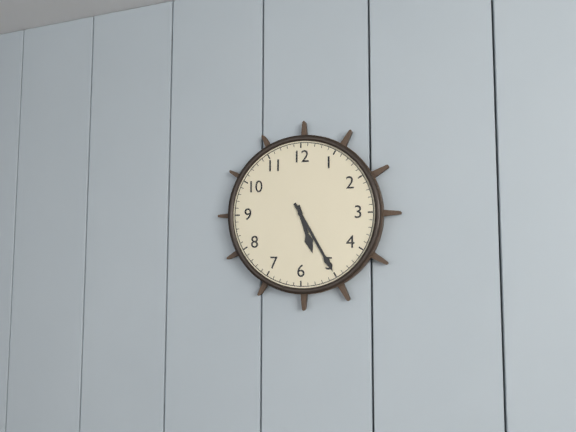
5:25
